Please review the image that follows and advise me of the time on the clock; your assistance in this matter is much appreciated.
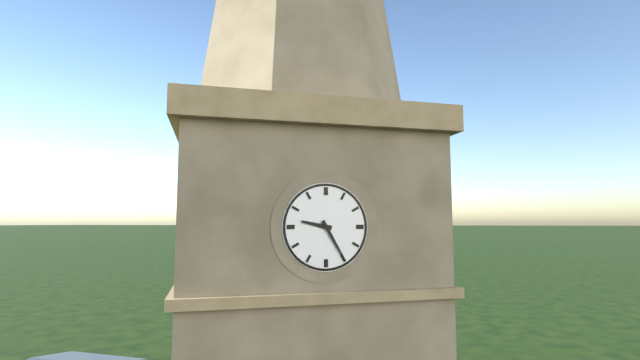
9:25
